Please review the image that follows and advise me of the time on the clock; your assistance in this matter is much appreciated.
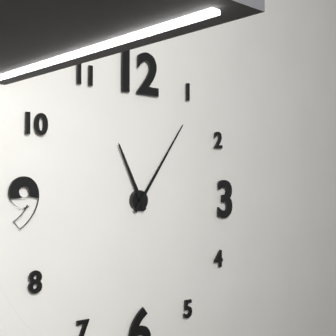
11:06
